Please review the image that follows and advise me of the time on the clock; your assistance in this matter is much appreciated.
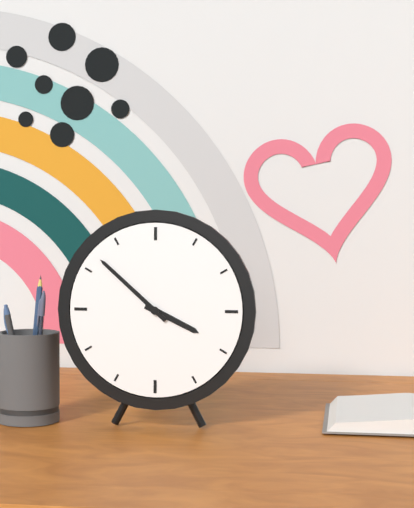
3:52
